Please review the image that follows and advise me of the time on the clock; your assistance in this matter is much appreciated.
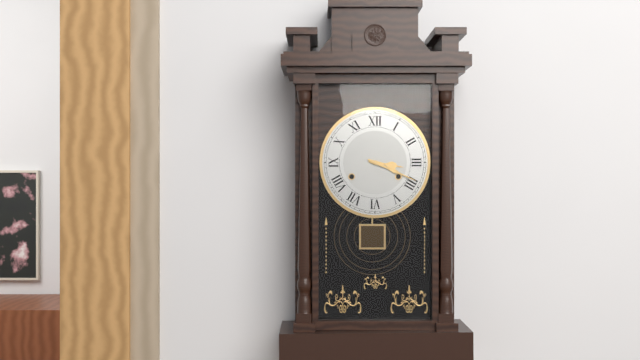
3:19
